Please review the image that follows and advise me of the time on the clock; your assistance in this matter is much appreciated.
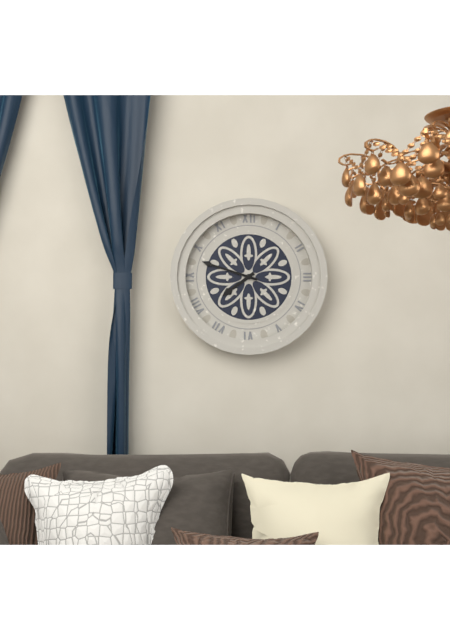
7:48
